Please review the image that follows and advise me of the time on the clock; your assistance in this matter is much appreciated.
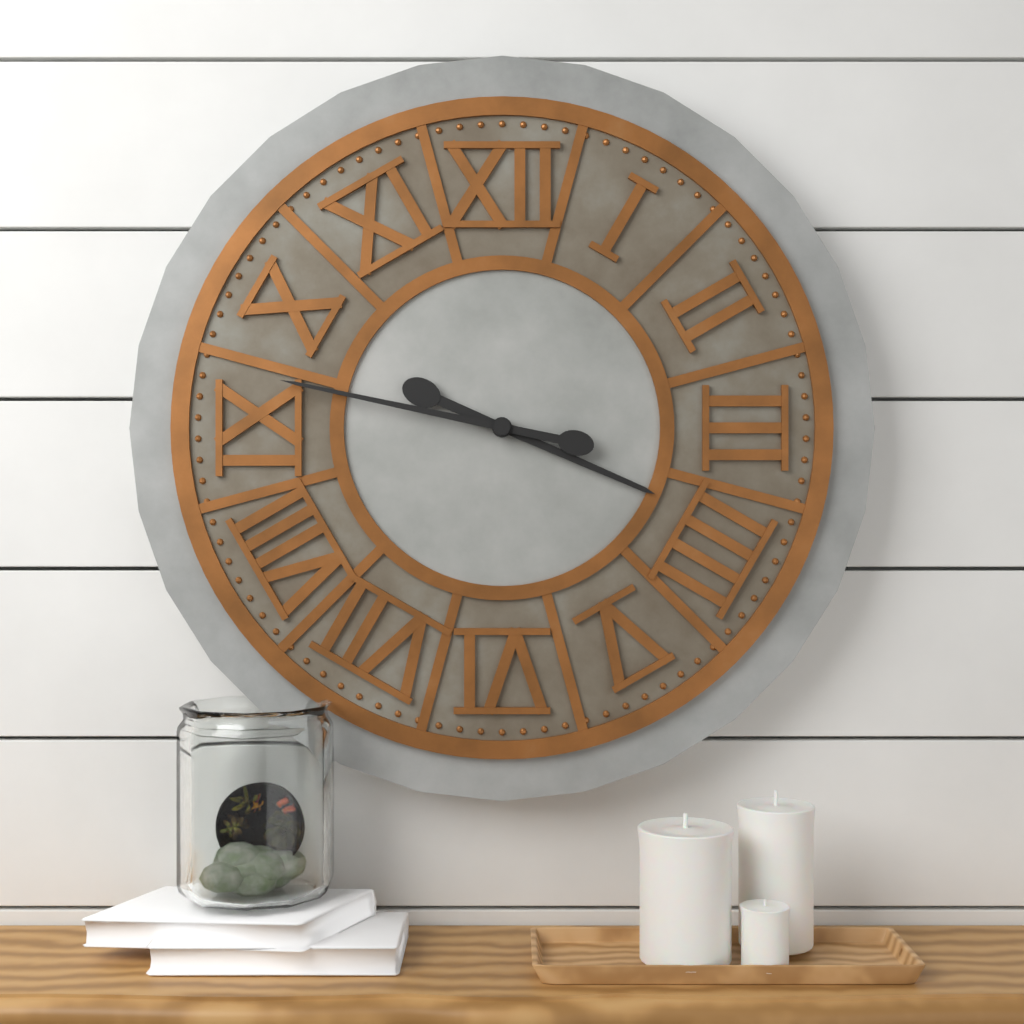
3:47
